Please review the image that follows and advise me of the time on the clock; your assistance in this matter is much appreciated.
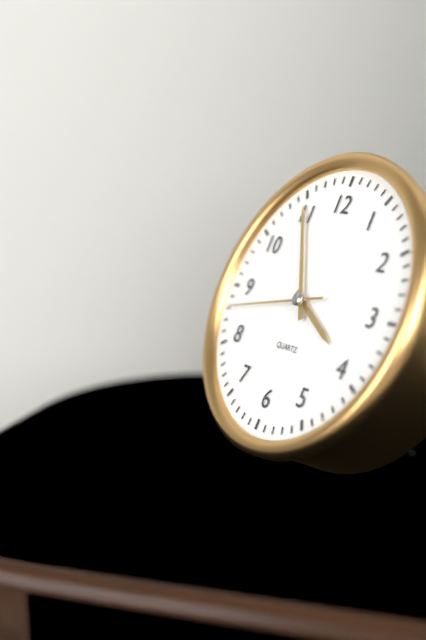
3:55:43
